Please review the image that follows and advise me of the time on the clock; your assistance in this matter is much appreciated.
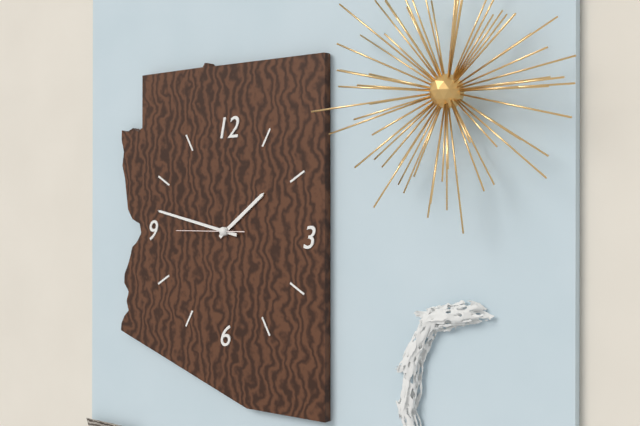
1:47:45
